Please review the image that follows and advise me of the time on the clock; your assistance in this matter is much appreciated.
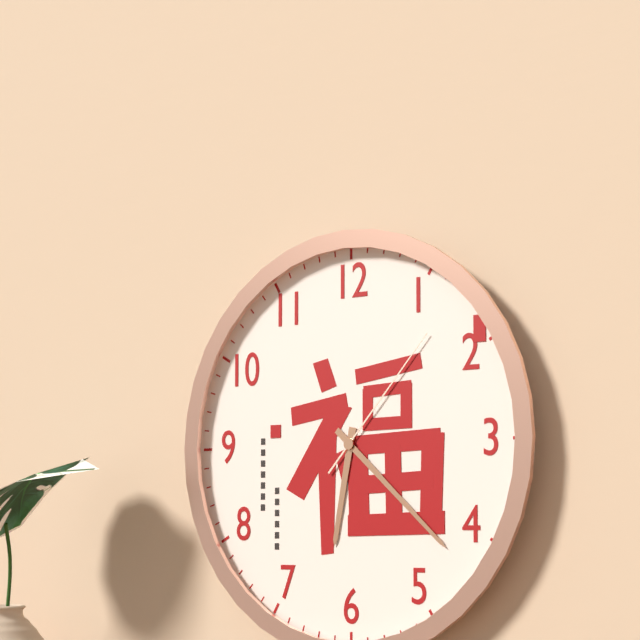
6:22:07
